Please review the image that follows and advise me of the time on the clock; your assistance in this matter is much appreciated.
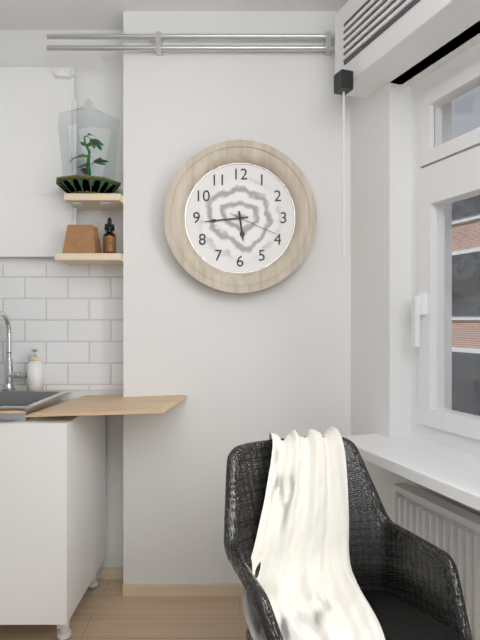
5:44
